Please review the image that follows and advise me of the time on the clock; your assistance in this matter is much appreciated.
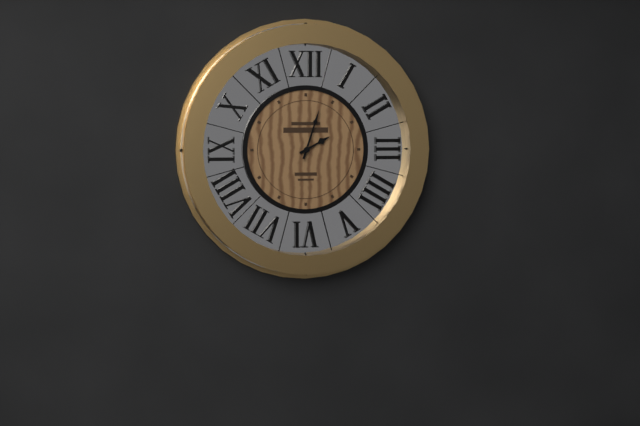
2:03
